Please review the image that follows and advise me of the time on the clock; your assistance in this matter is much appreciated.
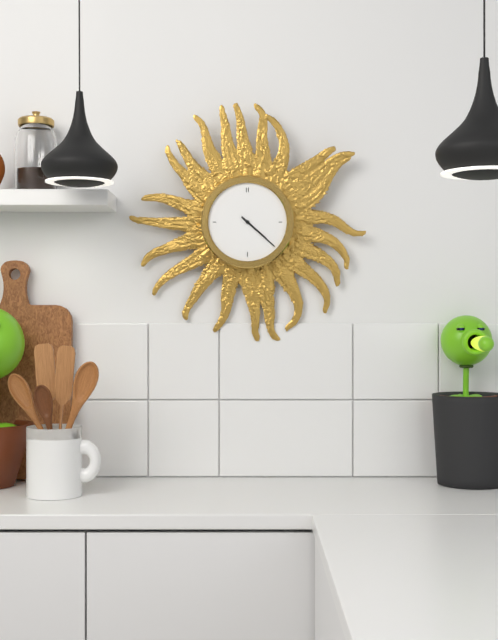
4:22
